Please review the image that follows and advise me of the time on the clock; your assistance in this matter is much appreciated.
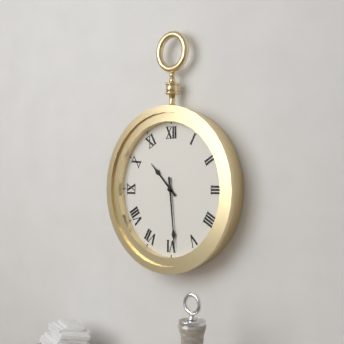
10:29
